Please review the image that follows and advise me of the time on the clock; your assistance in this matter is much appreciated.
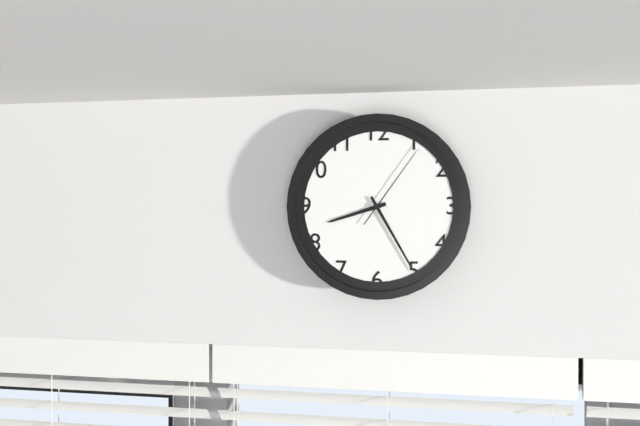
8:25:06
